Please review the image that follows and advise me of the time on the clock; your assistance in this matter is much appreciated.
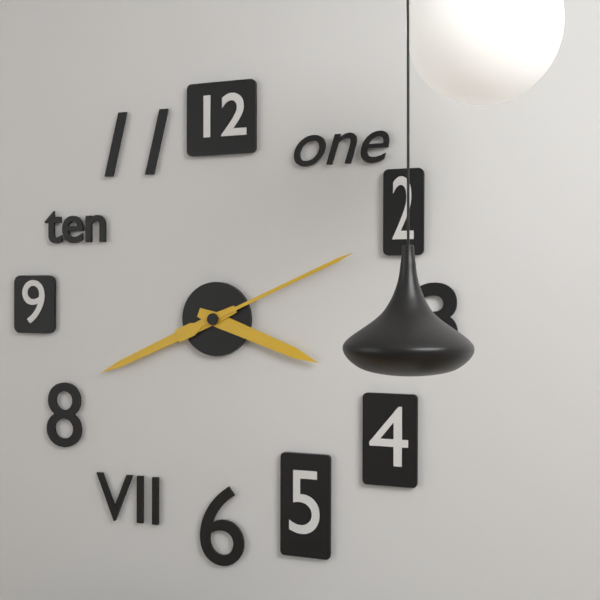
3:41:11
